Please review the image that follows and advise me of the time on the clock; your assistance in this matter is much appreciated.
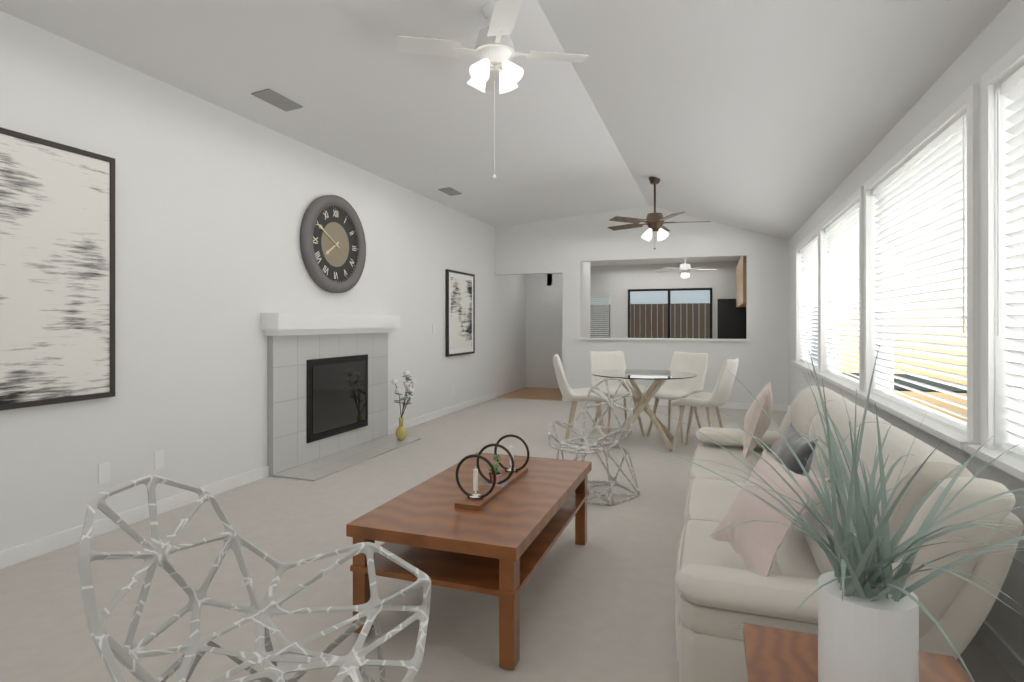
7:50
